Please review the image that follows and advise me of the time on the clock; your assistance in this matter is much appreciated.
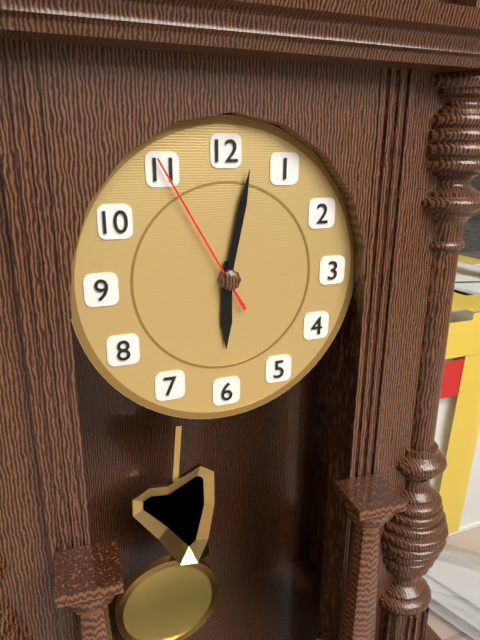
6:02:55
